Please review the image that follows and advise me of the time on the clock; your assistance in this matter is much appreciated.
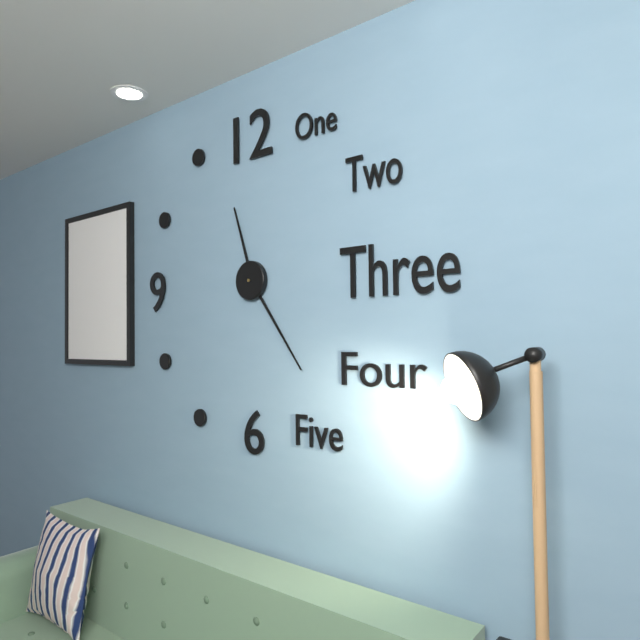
11:24
